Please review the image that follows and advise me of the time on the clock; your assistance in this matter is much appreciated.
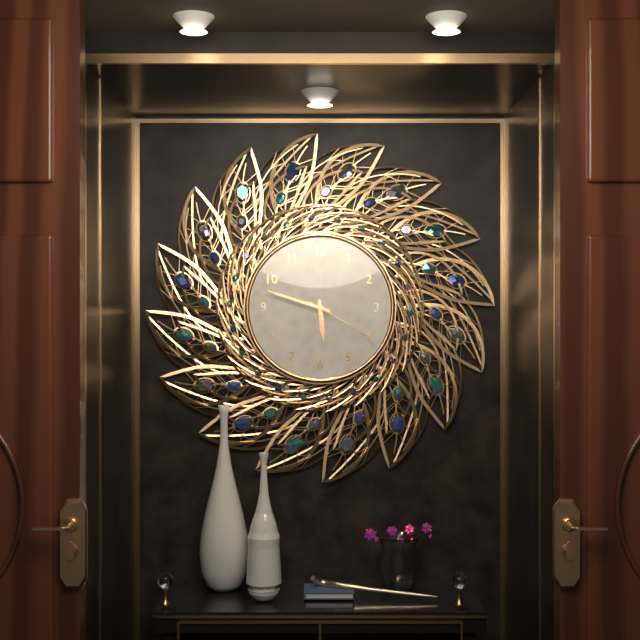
5:48:20
